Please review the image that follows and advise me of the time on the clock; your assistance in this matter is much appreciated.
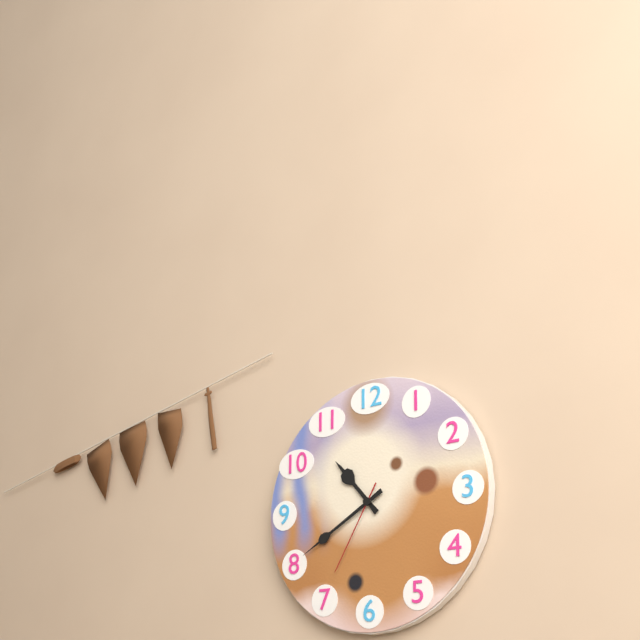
10:40:35
